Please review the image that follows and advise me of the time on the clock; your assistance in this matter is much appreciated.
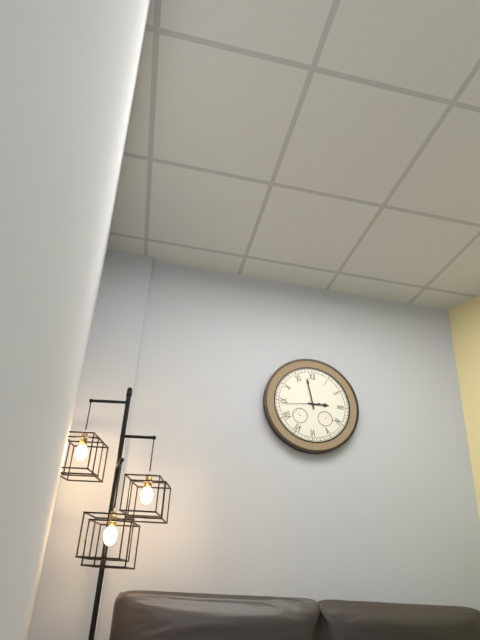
2:58
